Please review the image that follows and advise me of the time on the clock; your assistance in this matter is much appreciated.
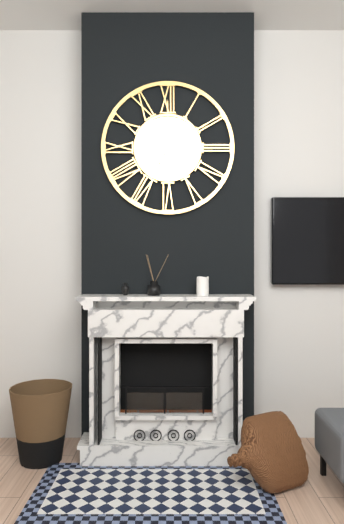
7:00
